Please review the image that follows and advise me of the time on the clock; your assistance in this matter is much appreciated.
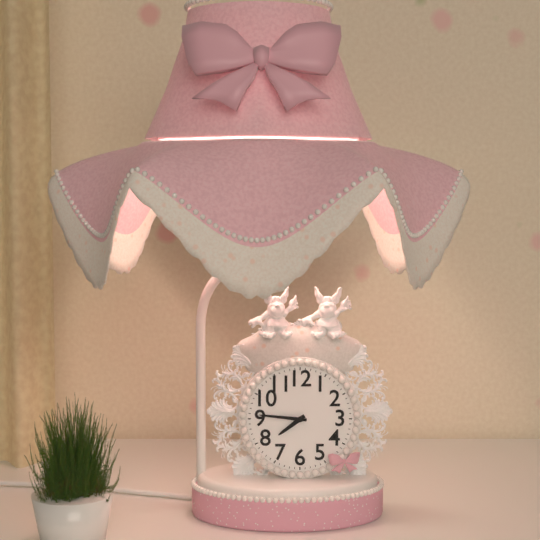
7:46
